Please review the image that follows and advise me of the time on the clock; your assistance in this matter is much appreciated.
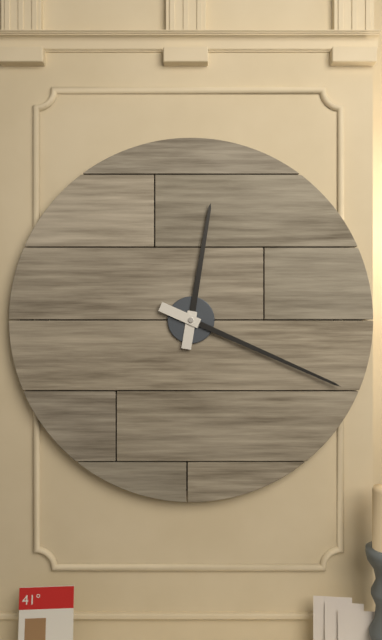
12:19
